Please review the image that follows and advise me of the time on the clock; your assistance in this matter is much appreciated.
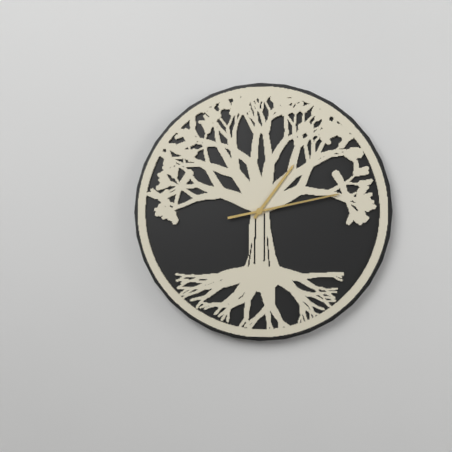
1:13
